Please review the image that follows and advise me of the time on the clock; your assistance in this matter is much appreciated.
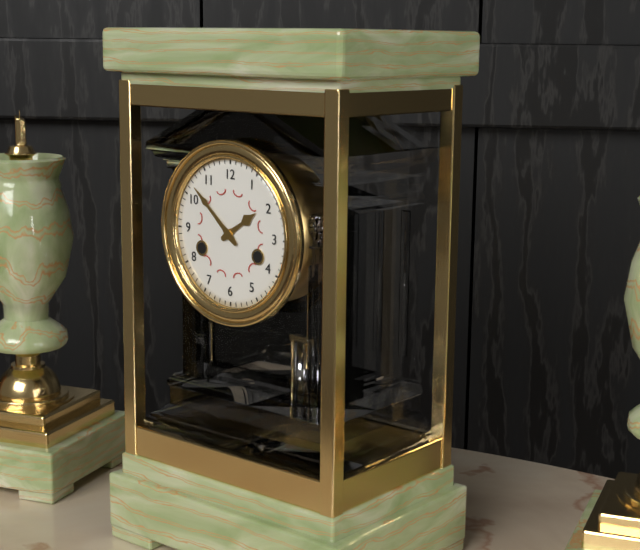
1:52
